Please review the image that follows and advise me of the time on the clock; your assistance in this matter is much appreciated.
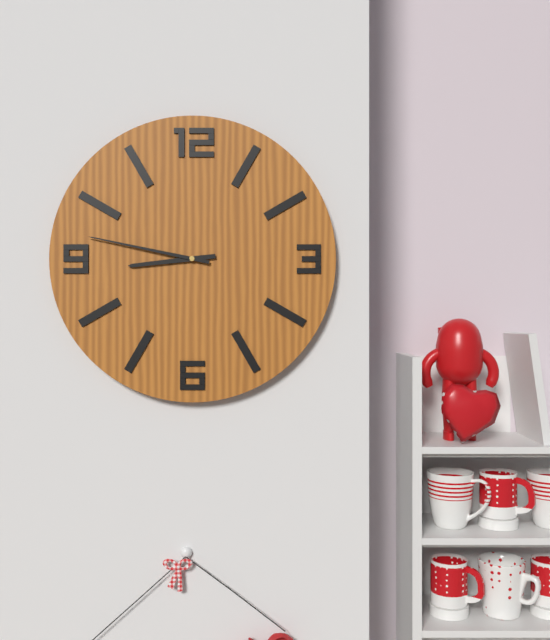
8:47
